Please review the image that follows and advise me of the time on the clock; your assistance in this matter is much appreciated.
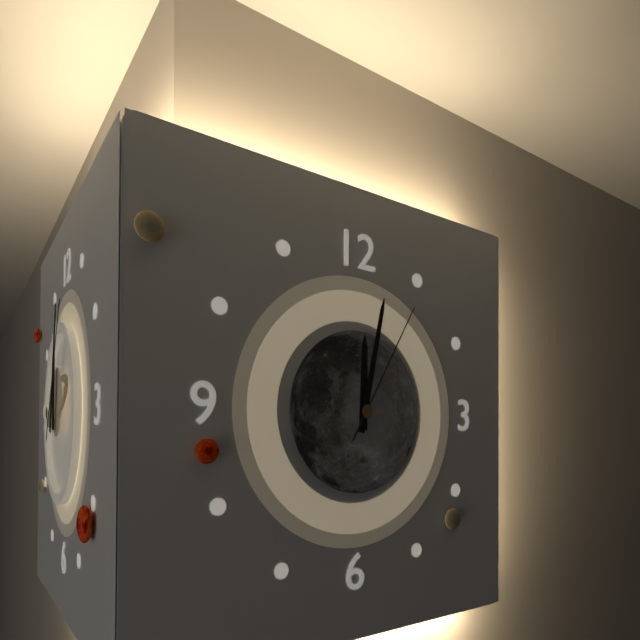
12:02:05
